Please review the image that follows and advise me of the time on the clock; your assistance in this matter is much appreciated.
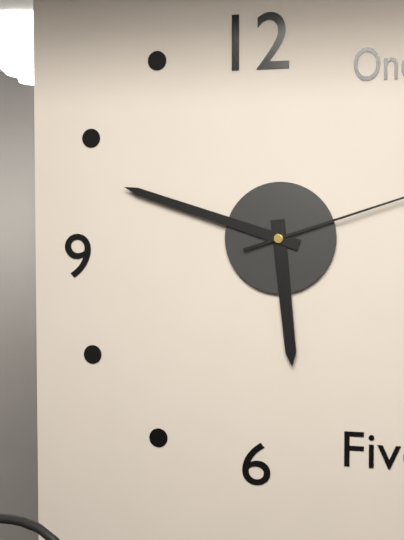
5:48
